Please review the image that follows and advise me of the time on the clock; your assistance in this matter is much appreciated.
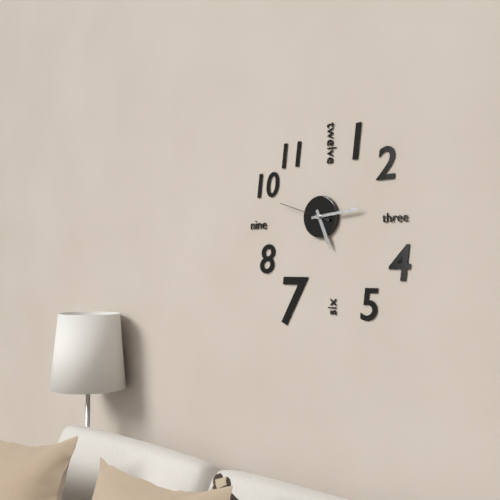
5:14:48
